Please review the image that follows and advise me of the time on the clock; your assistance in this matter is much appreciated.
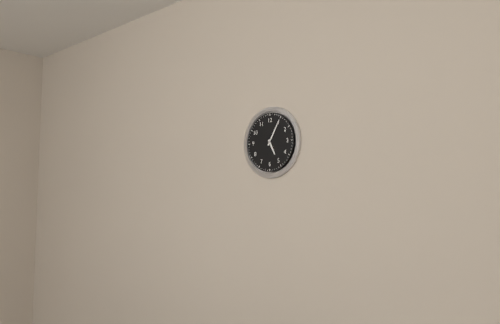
5:05
